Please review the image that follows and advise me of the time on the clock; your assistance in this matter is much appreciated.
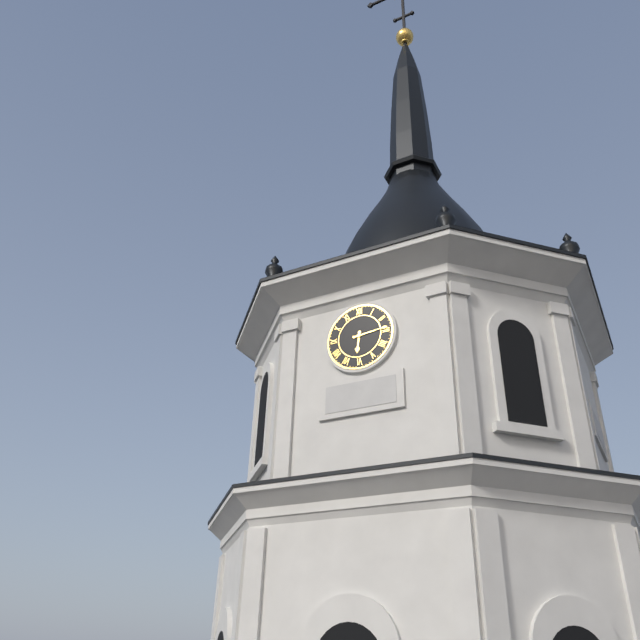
6:14
